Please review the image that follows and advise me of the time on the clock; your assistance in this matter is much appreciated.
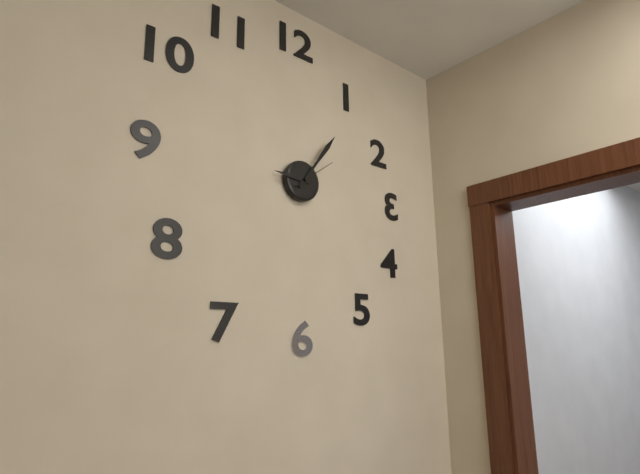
9:06:09
